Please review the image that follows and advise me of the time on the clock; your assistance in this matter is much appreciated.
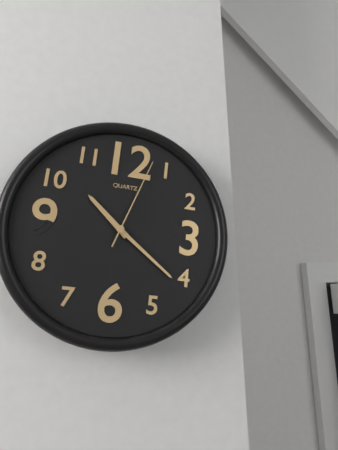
10:21:03
